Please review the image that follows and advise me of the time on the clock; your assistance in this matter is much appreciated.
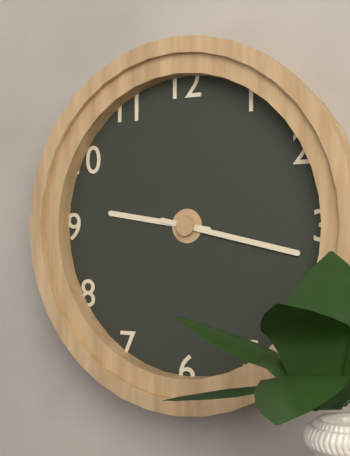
9:17
